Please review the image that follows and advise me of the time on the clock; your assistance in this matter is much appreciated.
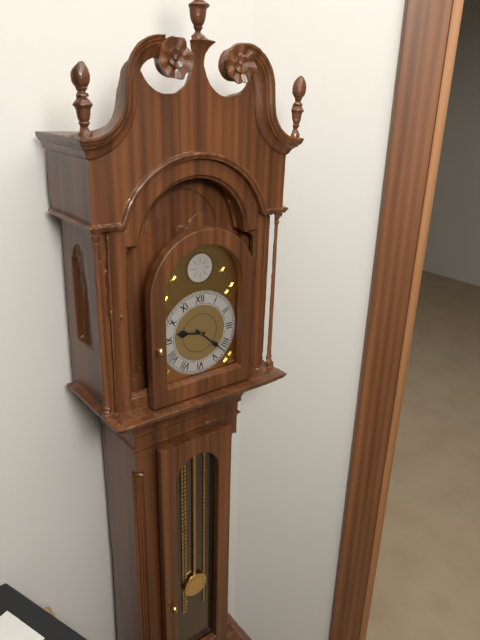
9:22
